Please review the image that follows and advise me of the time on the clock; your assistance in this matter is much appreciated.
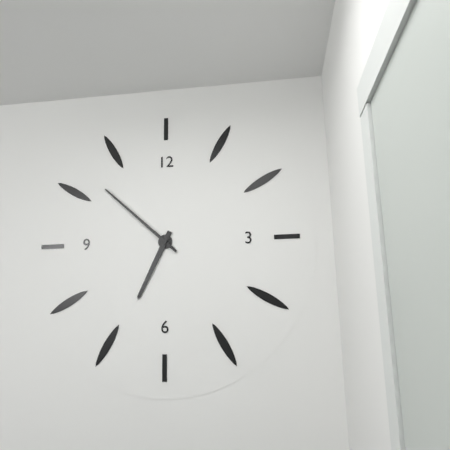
6:52
